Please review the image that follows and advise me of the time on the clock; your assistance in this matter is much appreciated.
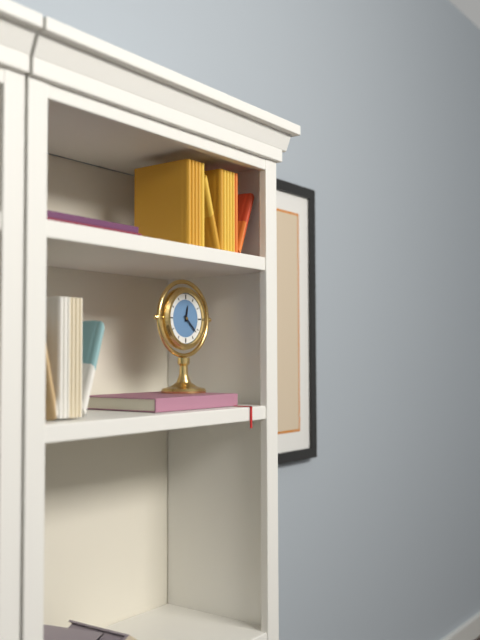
12:22
